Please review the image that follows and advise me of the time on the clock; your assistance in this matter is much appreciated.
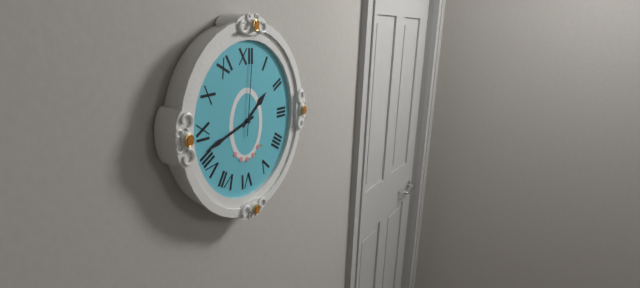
1:42:01
